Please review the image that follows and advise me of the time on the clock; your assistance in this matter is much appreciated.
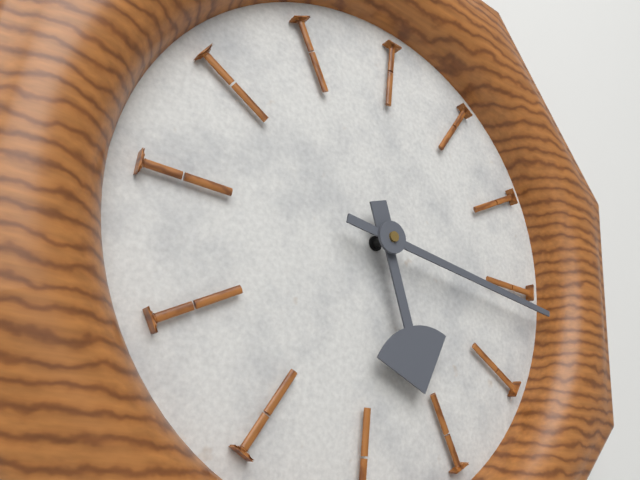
5:16
